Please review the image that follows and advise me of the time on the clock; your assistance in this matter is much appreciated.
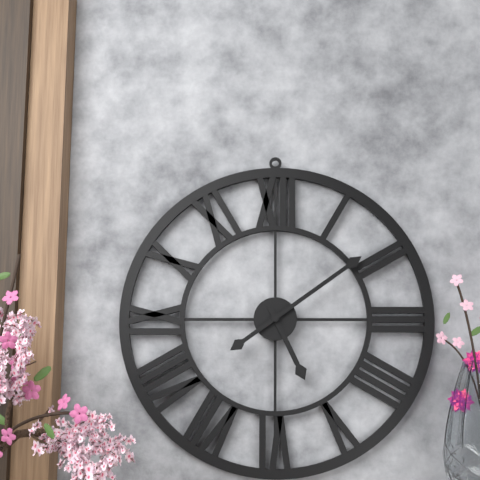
5:09
